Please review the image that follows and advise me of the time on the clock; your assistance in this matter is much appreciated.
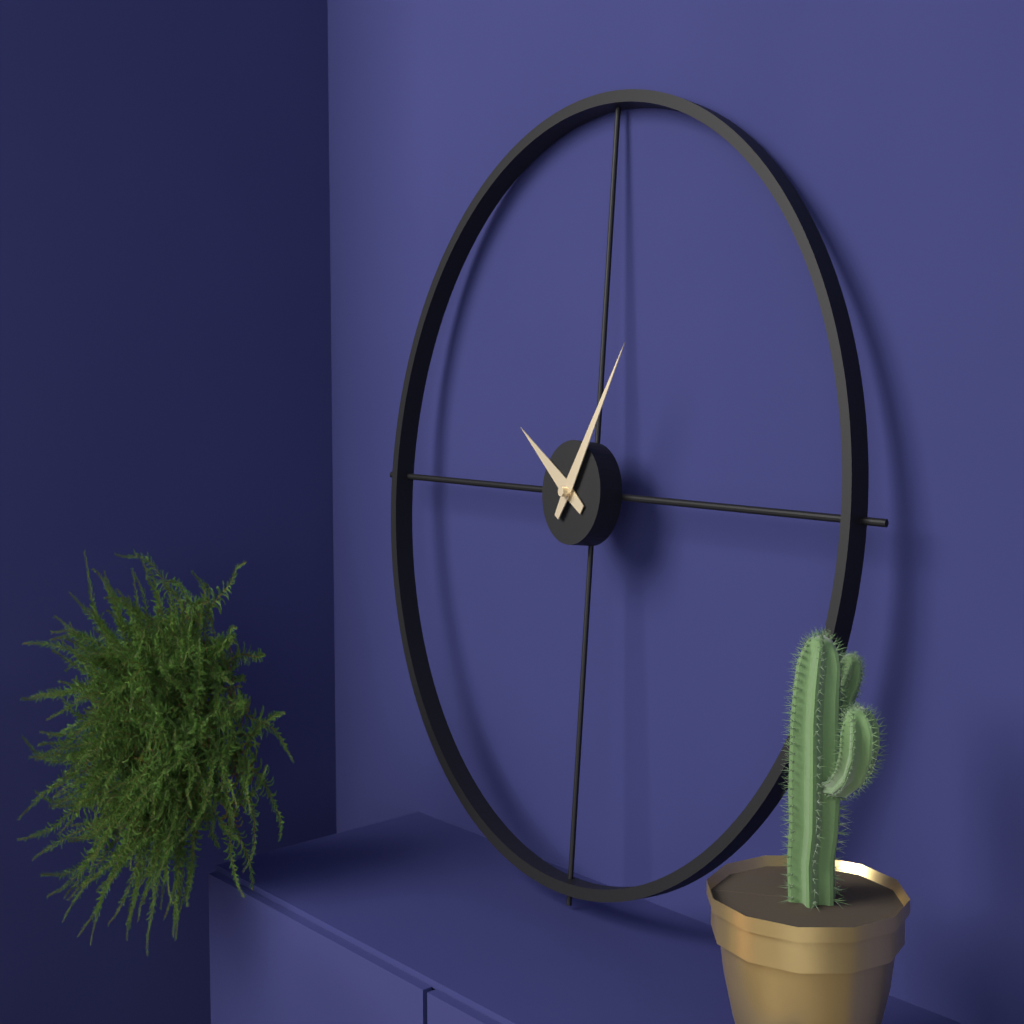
10:05
